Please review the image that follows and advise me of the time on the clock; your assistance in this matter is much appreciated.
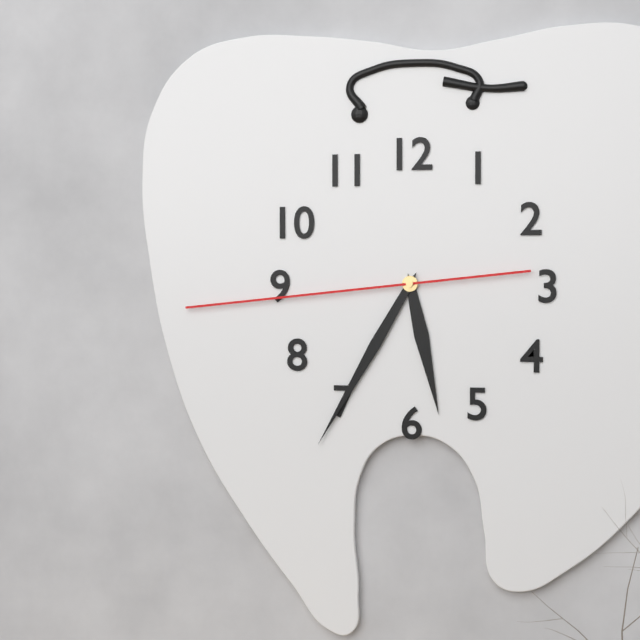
5:35:44
